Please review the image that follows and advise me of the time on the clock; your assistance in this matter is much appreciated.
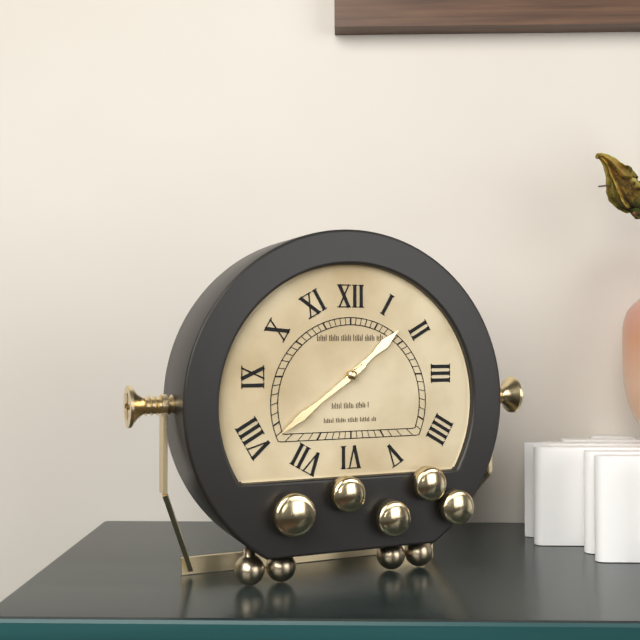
1:39
